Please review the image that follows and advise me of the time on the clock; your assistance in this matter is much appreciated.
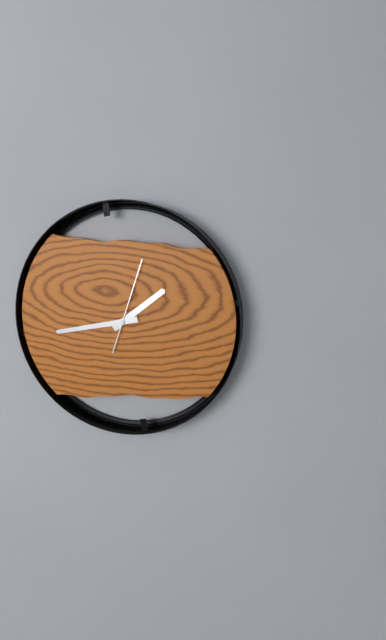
1:43:03
